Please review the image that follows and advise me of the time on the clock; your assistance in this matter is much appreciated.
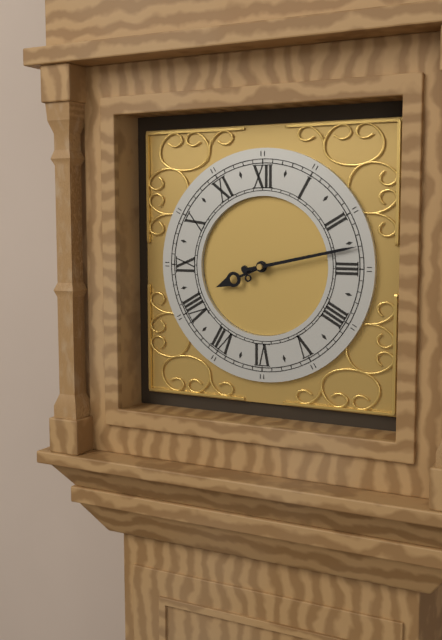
8:13
